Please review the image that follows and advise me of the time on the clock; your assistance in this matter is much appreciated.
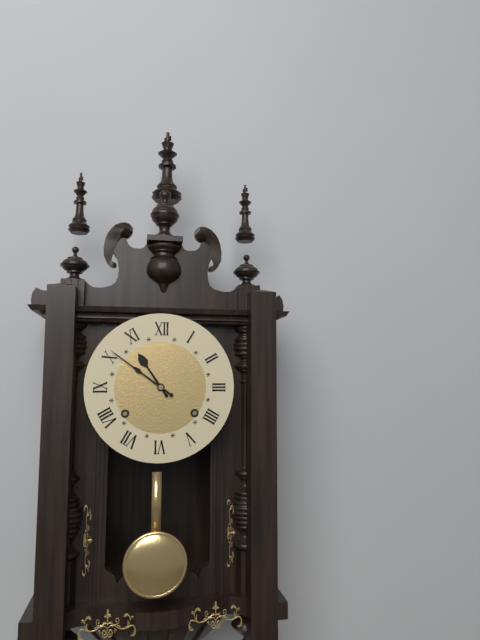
10:51
